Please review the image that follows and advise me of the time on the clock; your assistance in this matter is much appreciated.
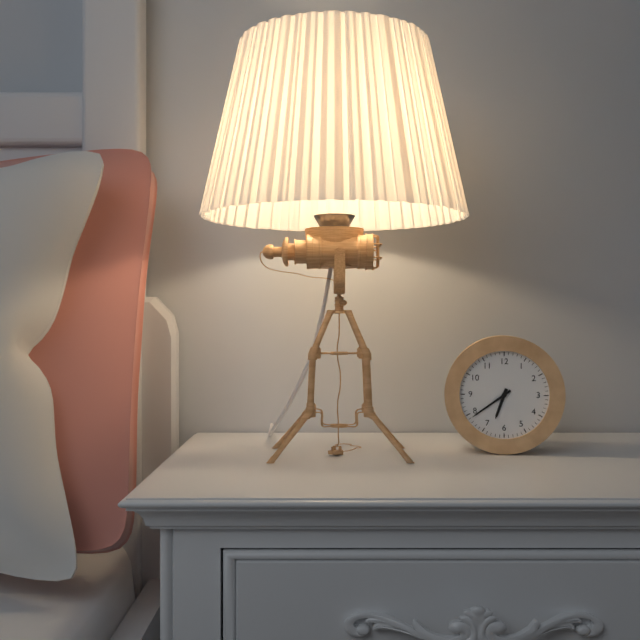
6:39
